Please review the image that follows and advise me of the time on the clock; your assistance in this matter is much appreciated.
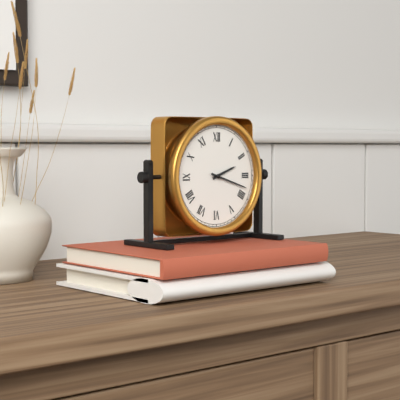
2:18
